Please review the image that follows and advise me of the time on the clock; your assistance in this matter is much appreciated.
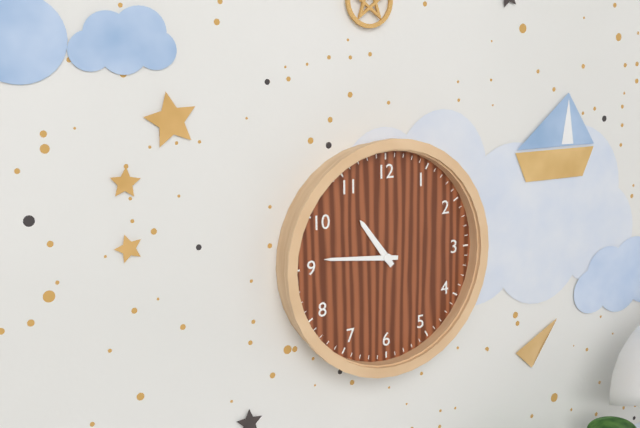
10:46
